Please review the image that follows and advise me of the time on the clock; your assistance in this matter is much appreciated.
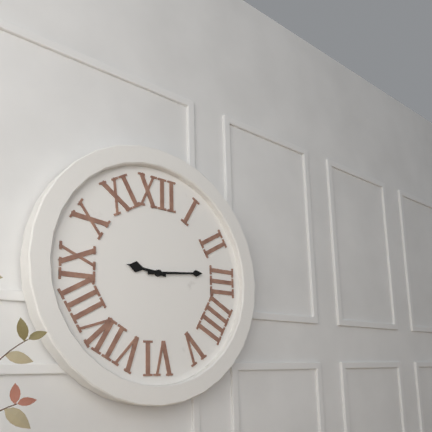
9:14
